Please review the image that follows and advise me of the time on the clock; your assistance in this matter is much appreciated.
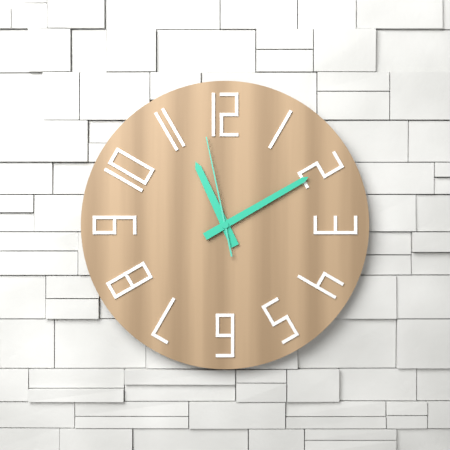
11:10:58
